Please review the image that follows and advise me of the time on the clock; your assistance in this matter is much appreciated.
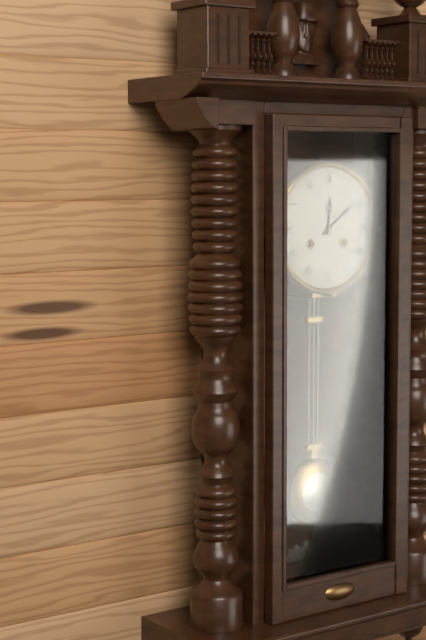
12:09
